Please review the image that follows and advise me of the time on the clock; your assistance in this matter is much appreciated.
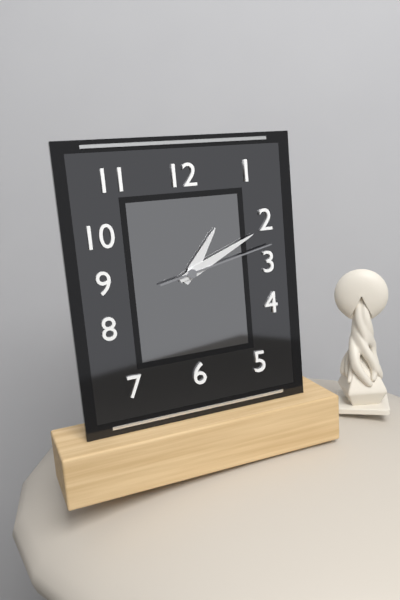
1:11:13
